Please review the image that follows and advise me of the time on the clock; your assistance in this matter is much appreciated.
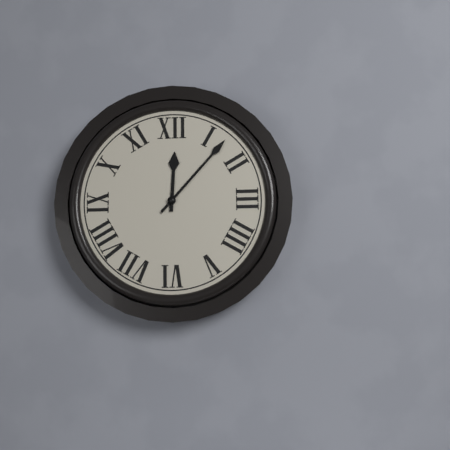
12:07
